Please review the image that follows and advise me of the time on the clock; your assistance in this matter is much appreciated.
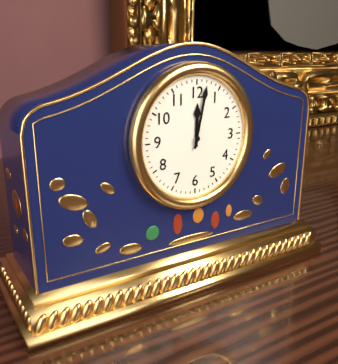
12:02
